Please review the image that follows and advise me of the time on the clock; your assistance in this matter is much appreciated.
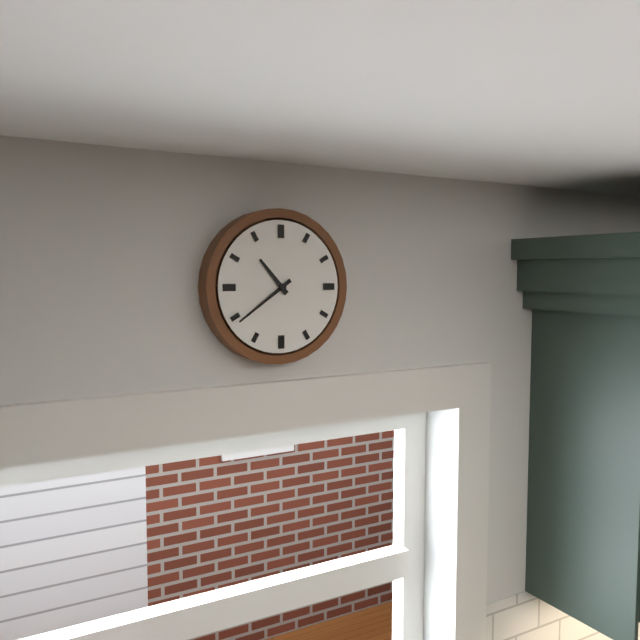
10:39
